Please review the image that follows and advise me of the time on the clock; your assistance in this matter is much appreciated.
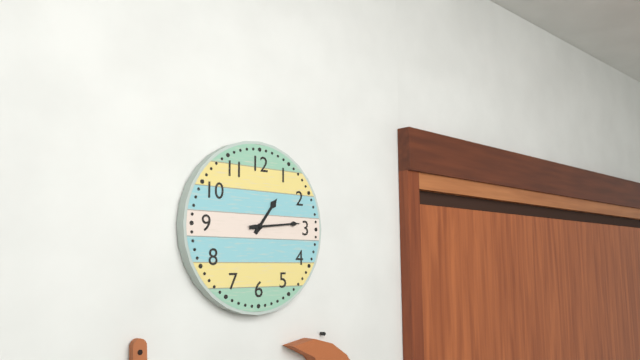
1:14
